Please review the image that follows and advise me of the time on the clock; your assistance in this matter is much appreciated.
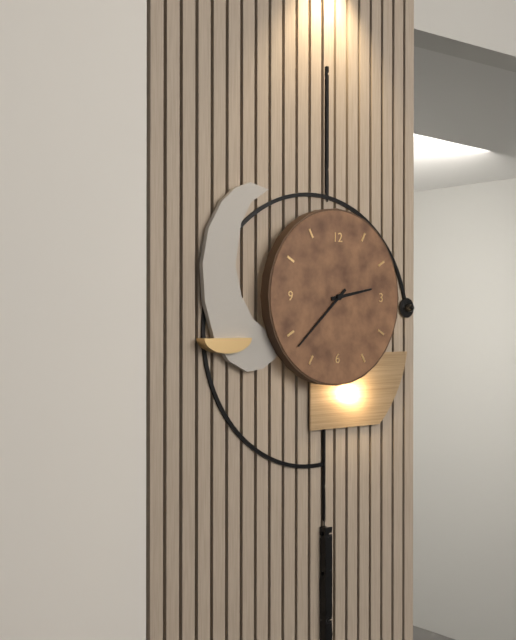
2:38
